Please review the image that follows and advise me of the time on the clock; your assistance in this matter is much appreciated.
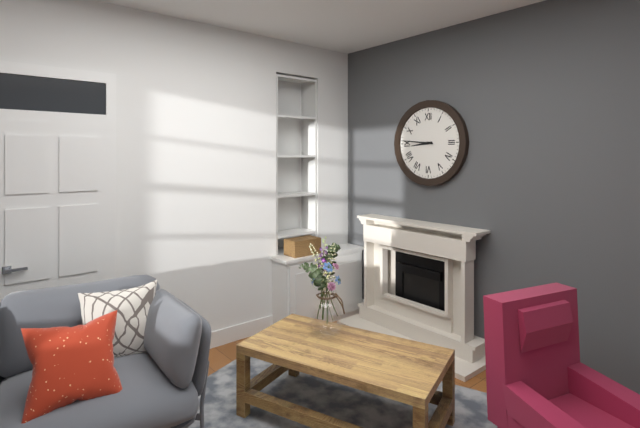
8:46
